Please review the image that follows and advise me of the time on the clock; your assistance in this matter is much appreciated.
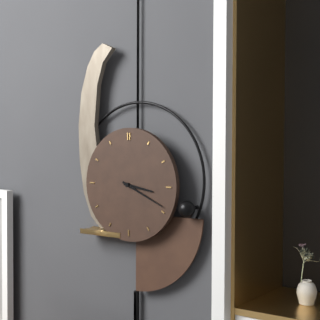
3:19
